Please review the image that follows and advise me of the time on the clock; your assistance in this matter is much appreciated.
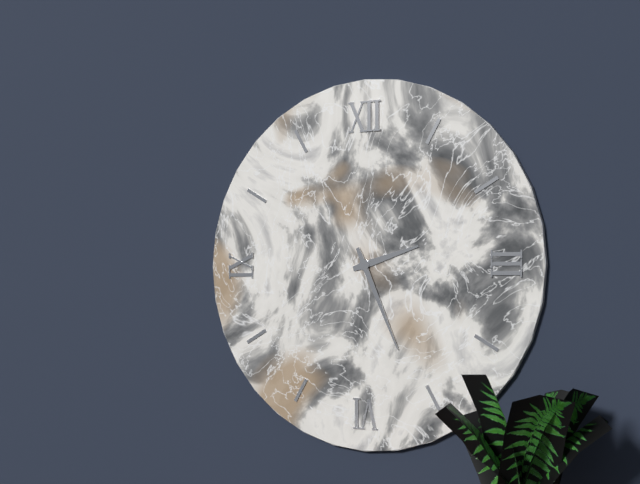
2:26
